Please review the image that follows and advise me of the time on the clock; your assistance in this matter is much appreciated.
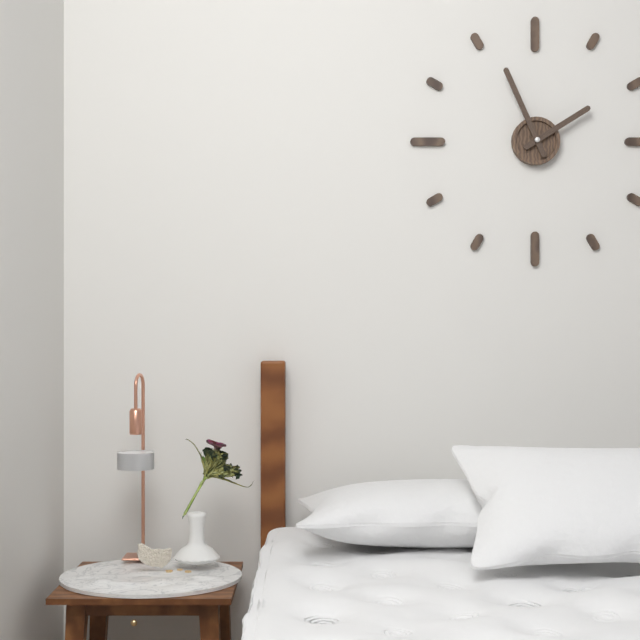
1:56
